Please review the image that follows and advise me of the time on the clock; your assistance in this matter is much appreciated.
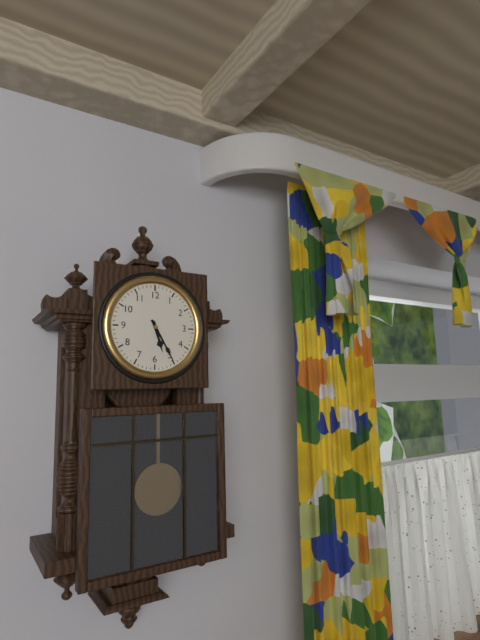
5:25
